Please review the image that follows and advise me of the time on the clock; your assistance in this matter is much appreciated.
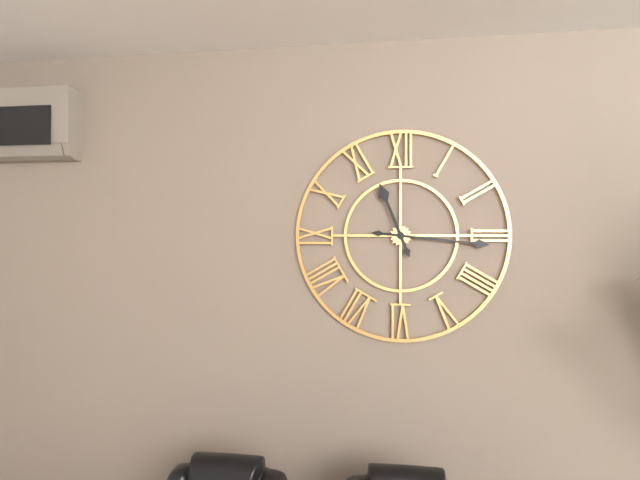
11:16
